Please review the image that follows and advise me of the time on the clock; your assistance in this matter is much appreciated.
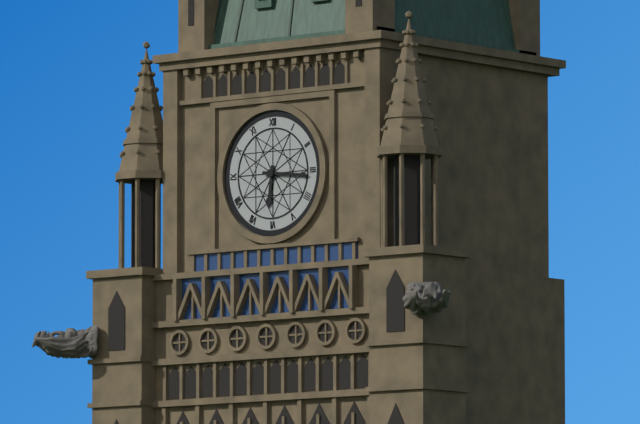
6:16
